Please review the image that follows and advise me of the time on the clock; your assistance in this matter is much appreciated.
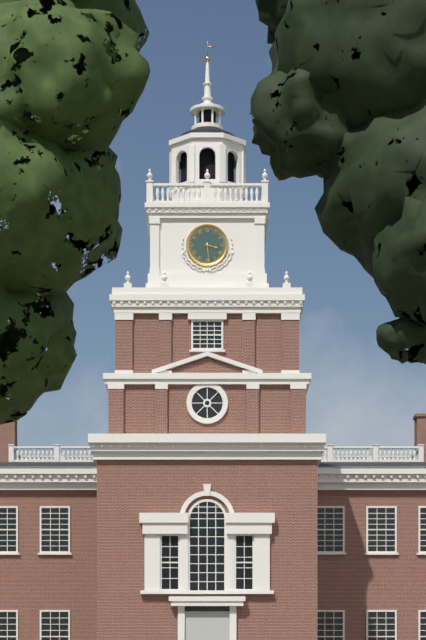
3:29
